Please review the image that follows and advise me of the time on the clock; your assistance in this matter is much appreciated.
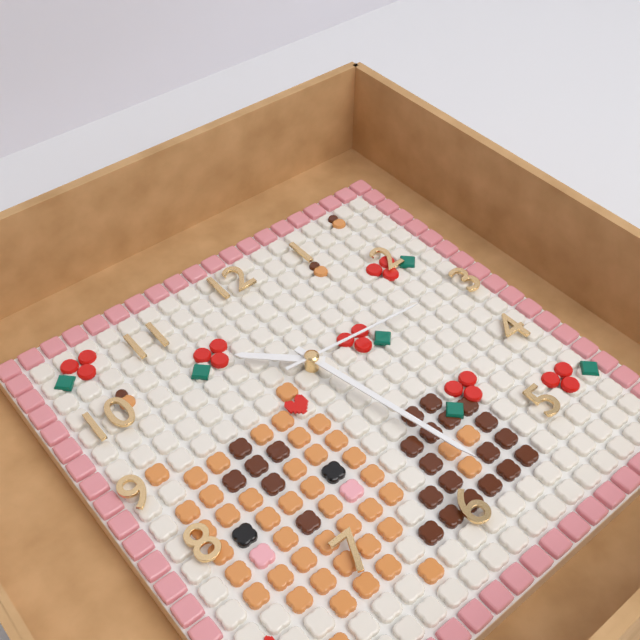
10:28:16
